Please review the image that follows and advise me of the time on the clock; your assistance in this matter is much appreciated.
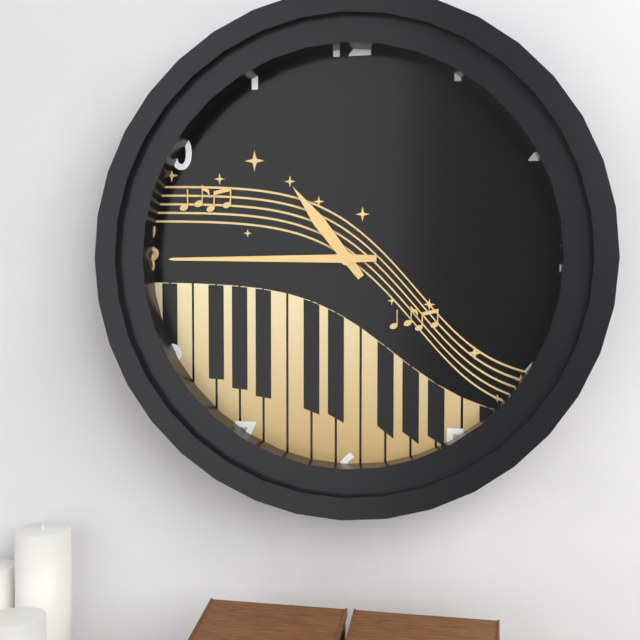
10:45
